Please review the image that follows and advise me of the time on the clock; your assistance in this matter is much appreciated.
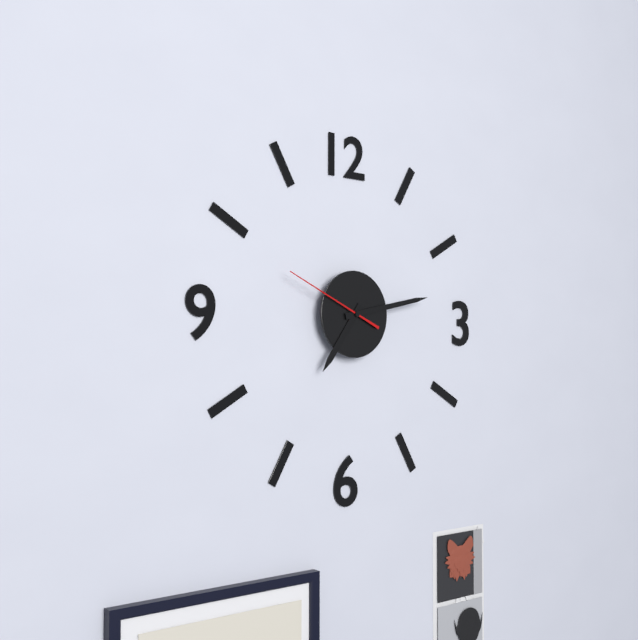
7:13:49
